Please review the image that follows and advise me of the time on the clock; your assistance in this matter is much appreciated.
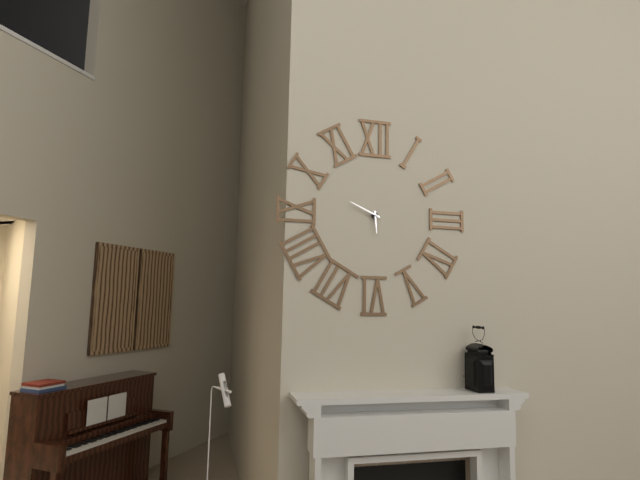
5:49
